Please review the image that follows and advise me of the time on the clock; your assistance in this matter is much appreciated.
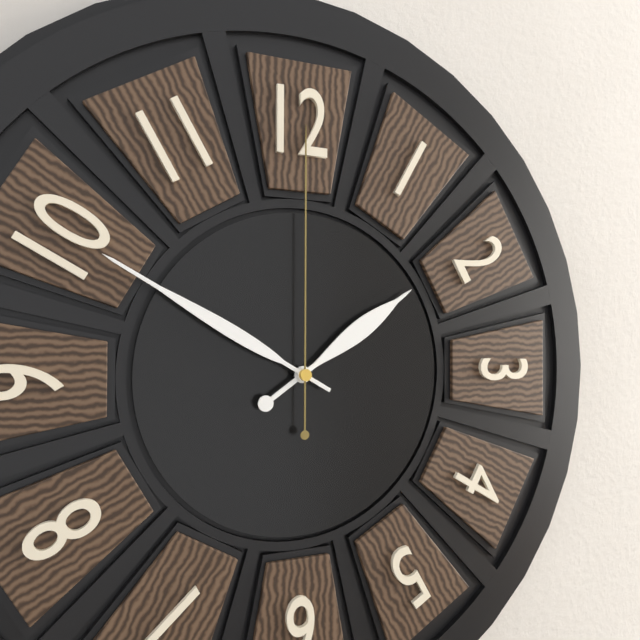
1:50:00
